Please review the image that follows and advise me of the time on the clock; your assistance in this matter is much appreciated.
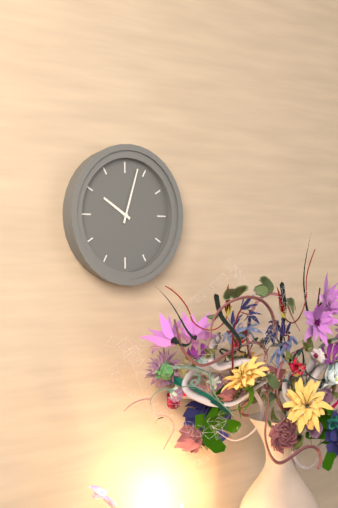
10:03
